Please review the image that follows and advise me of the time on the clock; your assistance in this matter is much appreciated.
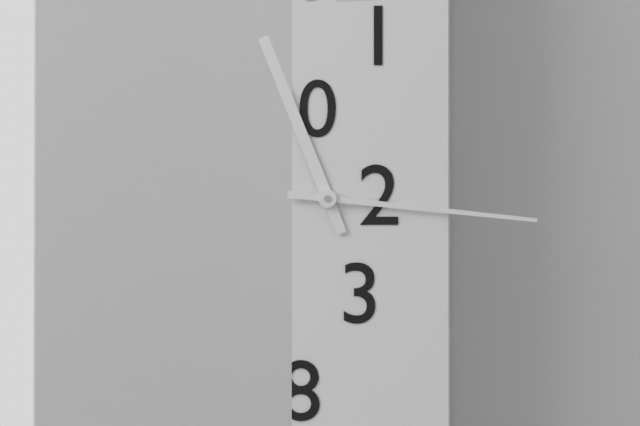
11:16
